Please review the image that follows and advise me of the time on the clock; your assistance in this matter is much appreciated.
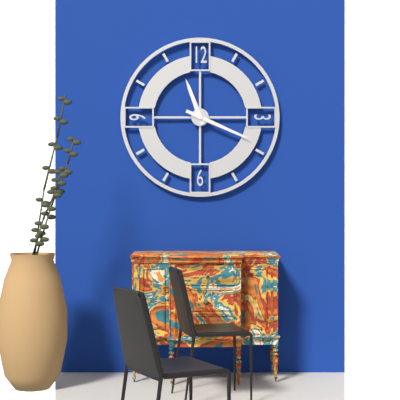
11:19
